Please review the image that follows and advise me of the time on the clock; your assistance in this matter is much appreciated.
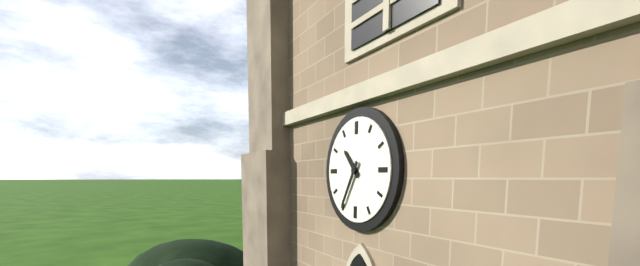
10:35
